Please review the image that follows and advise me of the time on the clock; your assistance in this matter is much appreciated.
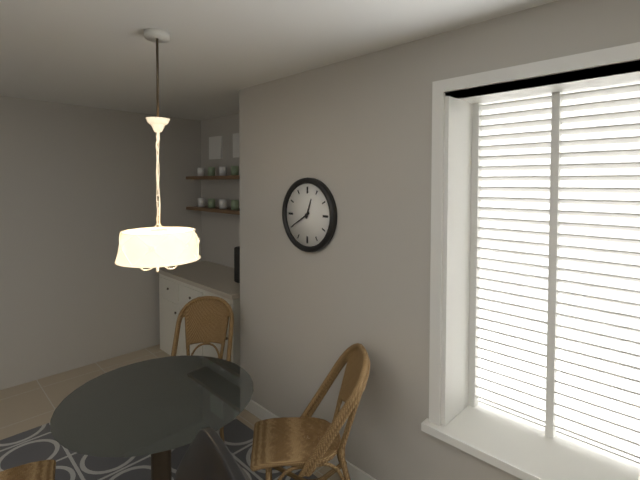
12:40
